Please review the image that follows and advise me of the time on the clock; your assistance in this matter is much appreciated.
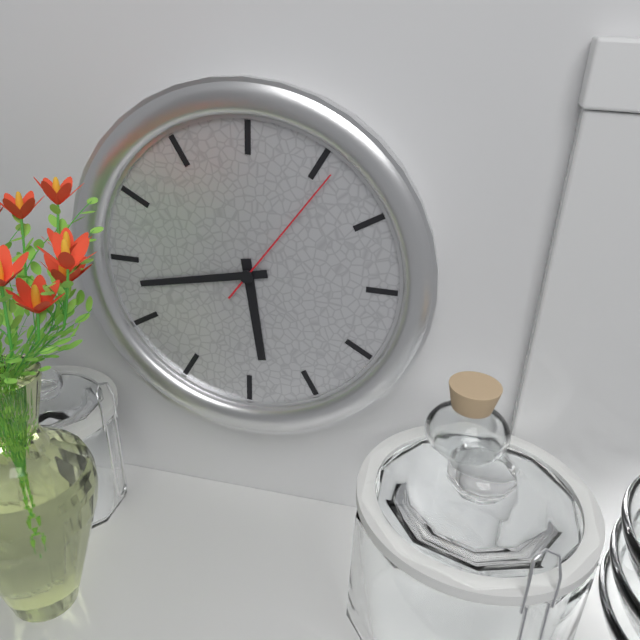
5:43:06
